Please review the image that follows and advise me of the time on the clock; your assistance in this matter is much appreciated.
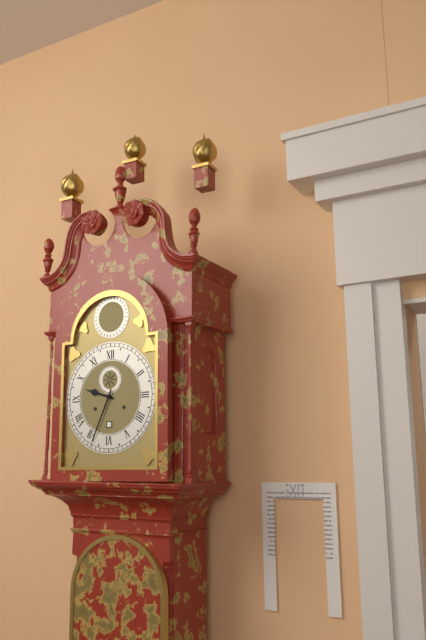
9:34
